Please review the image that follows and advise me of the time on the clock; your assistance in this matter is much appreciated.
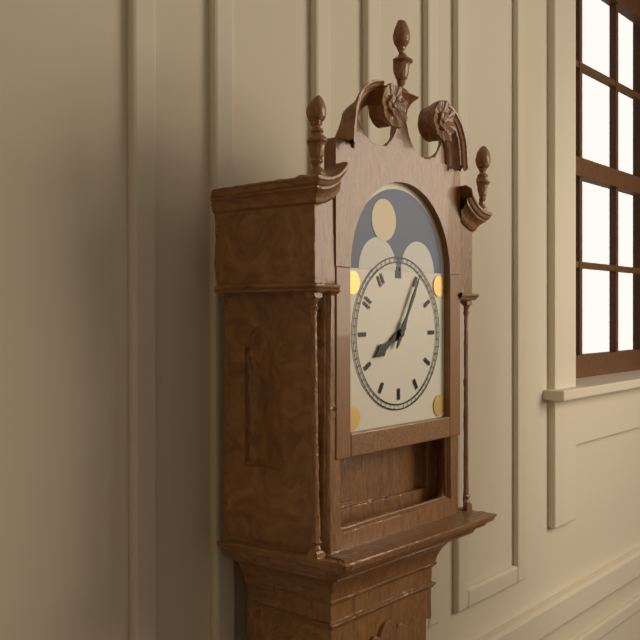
8:05
